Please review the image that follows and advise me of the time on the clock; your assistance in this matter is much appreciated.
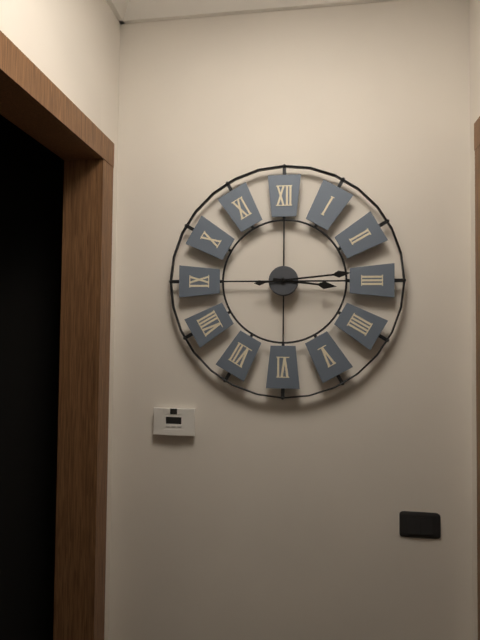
3:14
